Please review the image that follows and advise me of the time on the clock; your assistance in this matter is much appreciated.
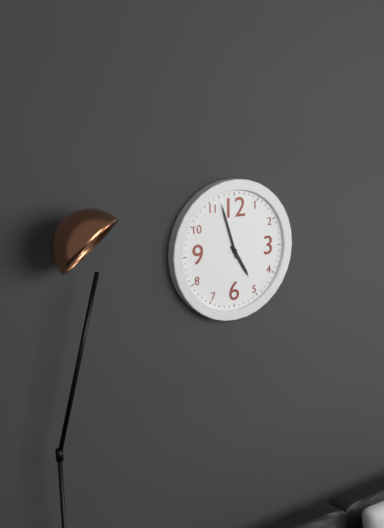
4:57
